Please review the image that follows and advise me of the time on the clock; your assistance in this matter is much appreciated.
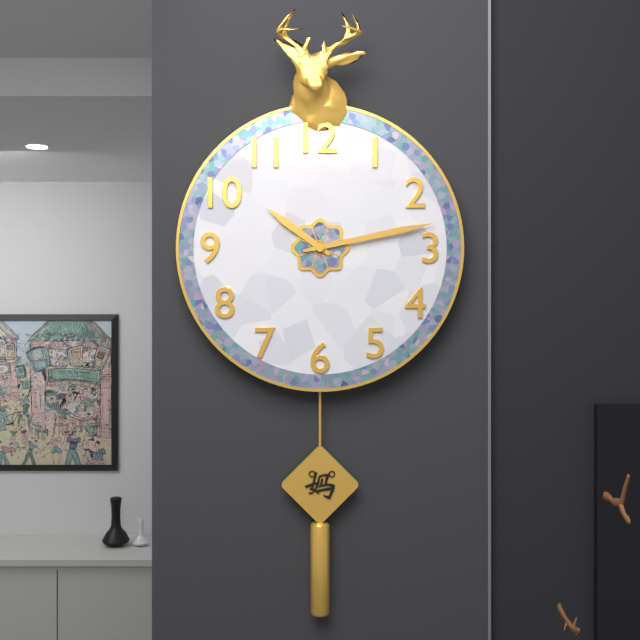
10:13
